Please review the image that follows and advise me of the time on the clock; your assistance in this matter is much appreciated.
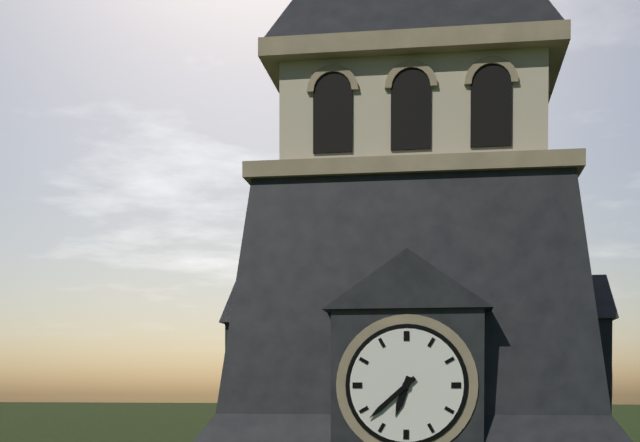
6:38
